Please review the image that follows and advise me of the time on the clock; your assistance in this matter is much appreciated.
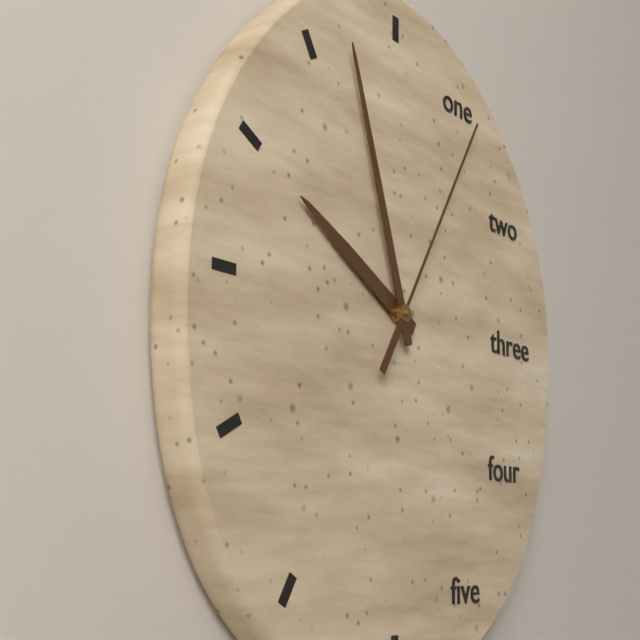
9:57:05
